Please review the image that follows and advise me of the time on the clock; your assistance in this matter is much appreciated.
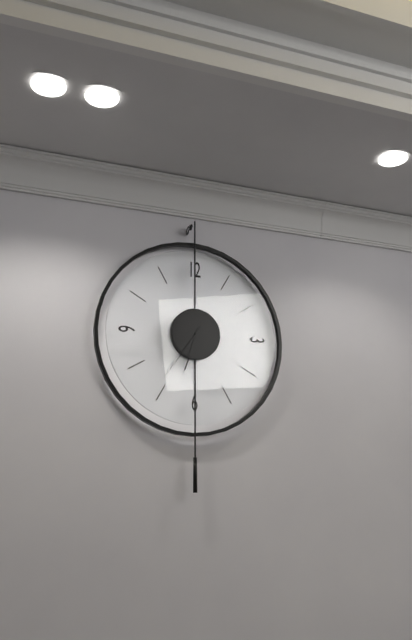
6:36
